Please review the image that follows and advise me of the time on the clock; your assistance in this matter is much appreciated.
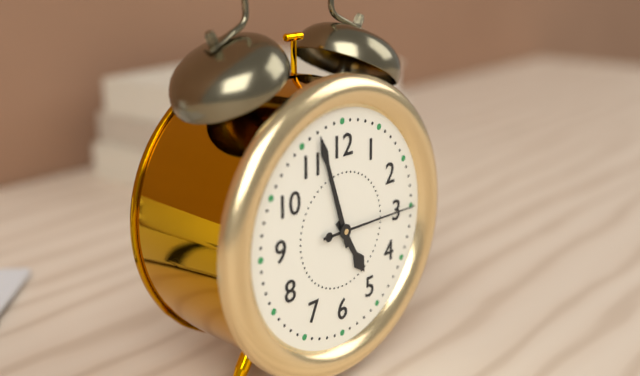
4:57:15
